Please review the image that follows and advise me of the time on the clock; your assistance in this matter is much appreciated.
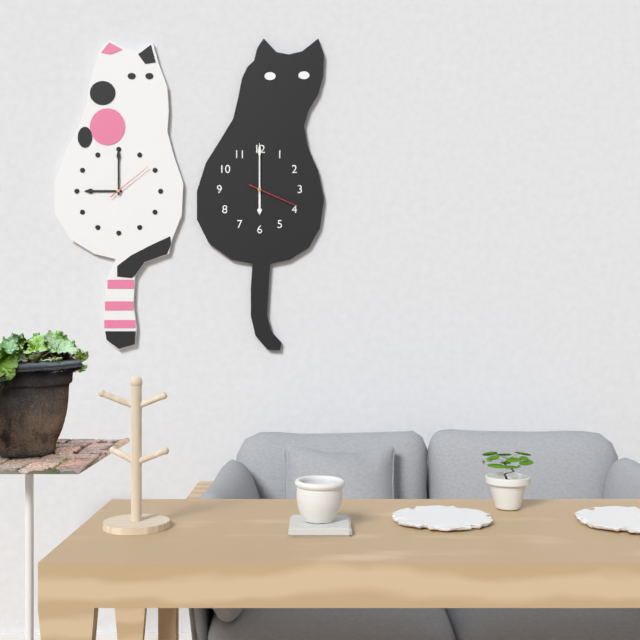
6:00:19
